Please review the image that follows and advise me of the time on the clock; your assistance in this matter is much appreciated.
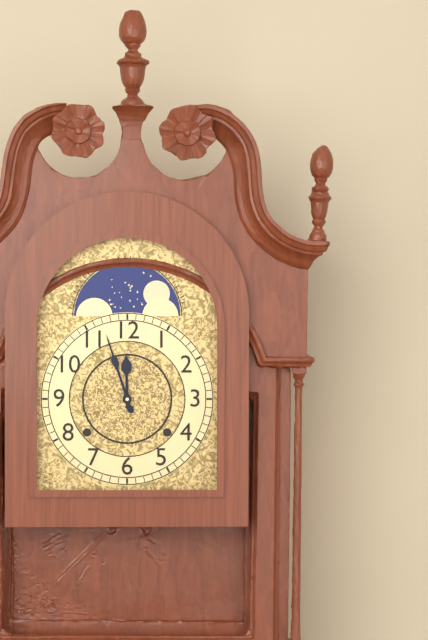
11:57
